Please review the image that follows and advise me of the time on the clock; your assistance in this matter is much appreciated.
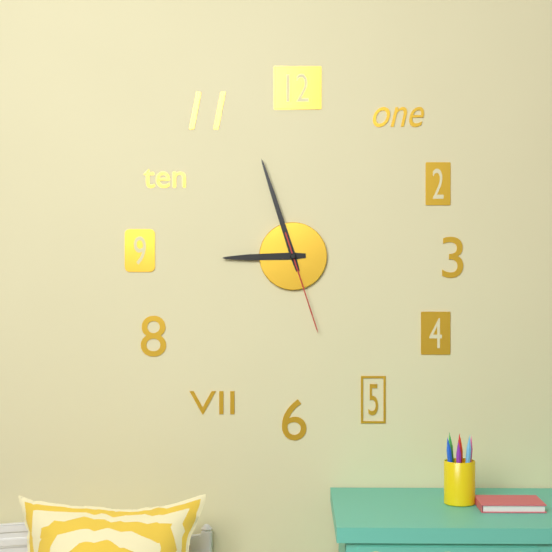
8:57:27
